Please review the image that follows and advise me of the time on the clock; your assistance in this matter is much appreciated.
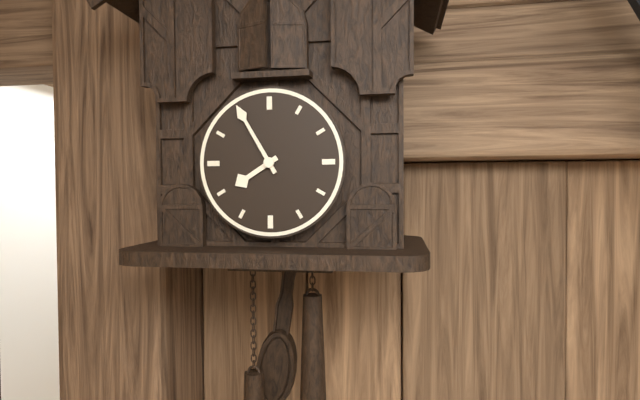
7:55
